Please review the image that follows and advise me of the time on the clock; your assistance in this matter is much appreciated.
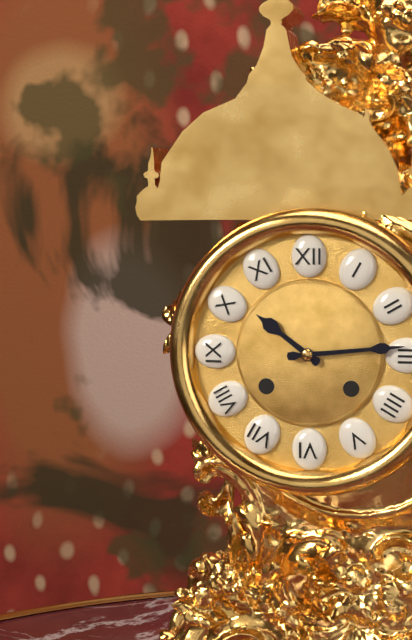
10:14
